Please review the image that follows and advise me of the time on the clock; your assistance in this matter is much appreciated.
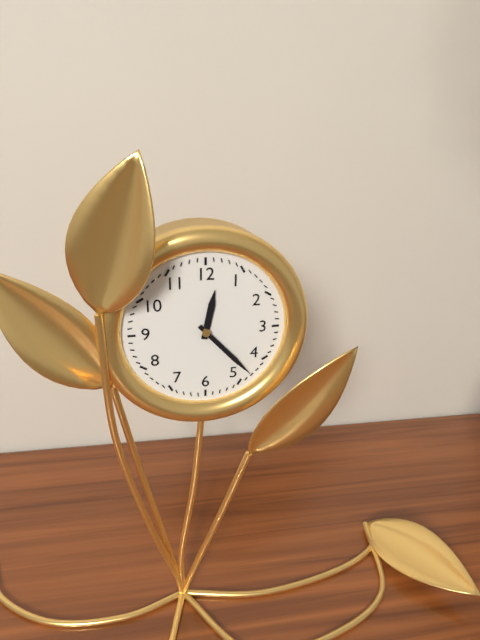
12:23
